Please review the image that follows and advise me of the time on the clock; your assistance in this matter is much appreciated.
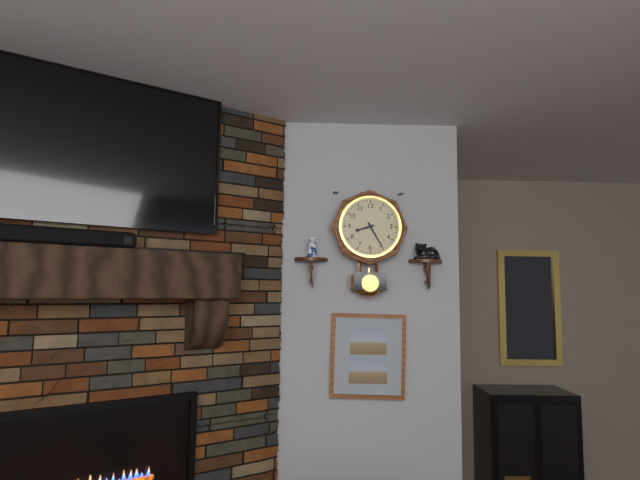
8:25
